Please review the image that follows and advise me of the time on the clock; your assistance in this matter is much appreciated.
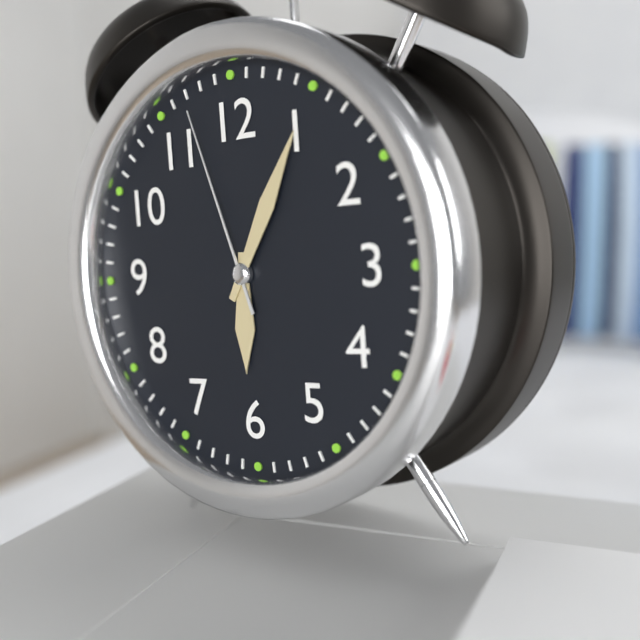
6:05:57
